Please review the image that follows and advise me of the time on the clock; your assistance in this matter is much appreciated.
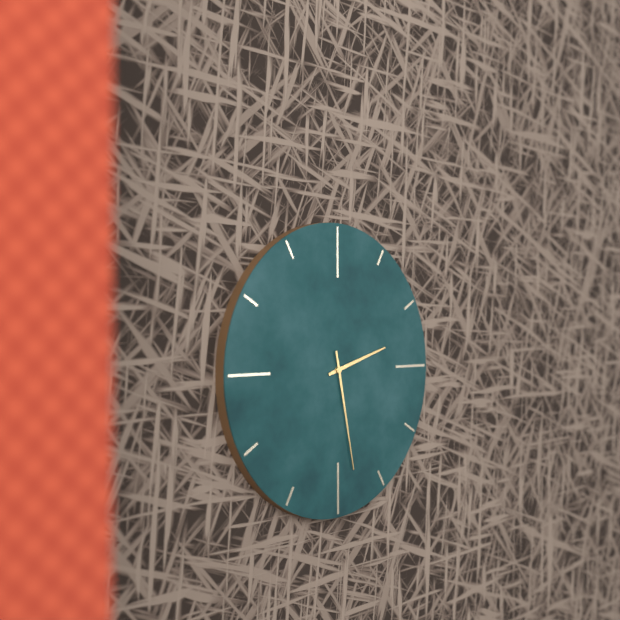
2:28
